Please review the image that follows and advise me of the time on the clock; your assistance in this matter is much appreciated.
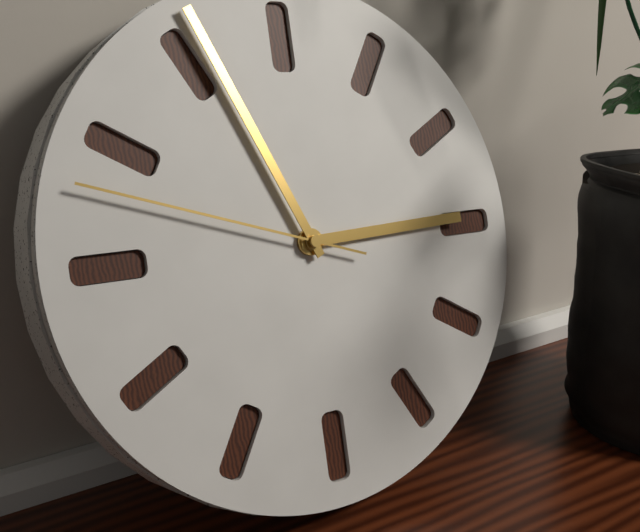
2:56:48
